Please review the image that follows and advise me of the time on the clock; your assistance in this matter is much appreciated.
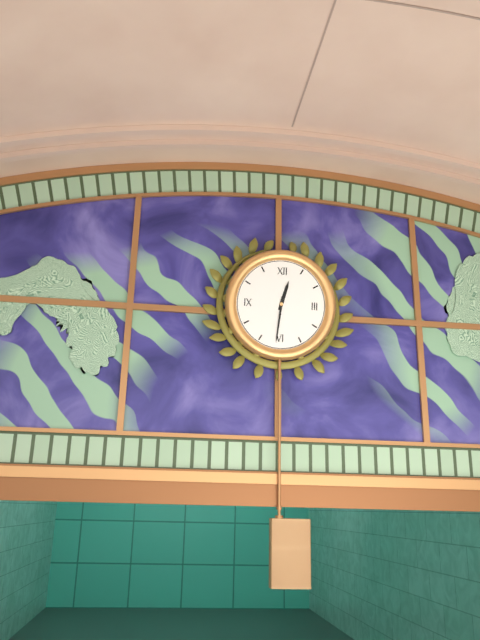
12:31
